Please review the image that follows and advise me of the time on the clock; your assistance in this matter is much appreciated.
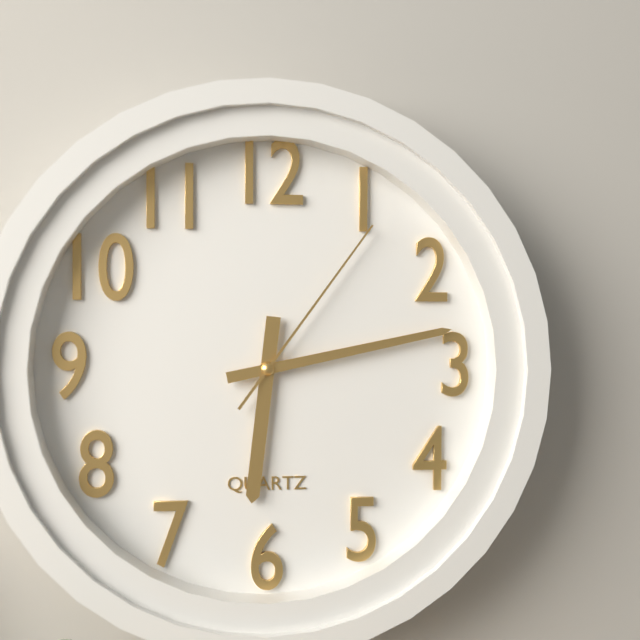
6:13:06
